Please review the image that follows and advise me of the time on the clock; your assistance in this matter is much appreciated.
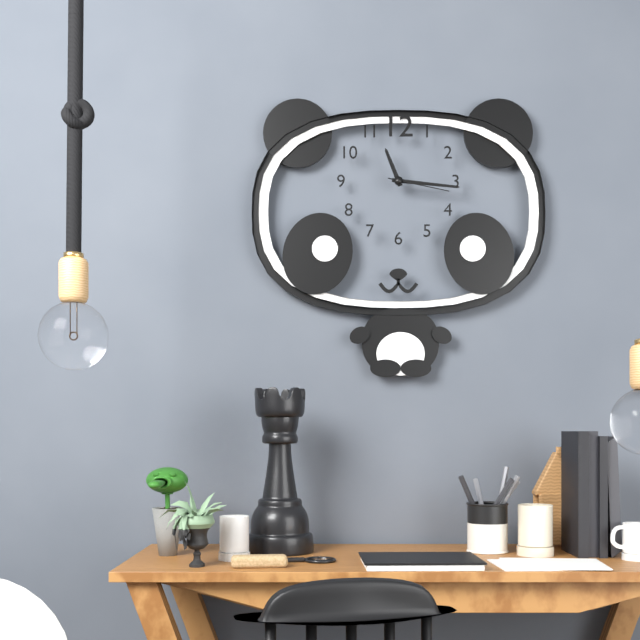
11:16:17
